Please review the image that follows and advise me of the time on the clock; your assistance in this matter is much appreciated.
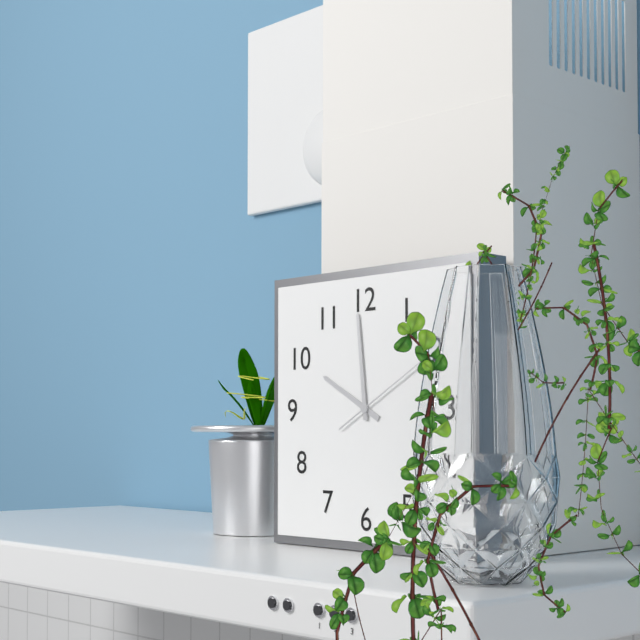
9:59:10
